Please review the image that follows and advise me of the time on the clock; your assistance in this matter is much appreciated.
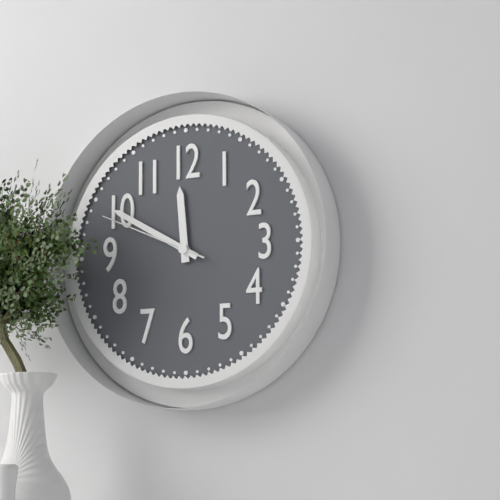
11:50:49
